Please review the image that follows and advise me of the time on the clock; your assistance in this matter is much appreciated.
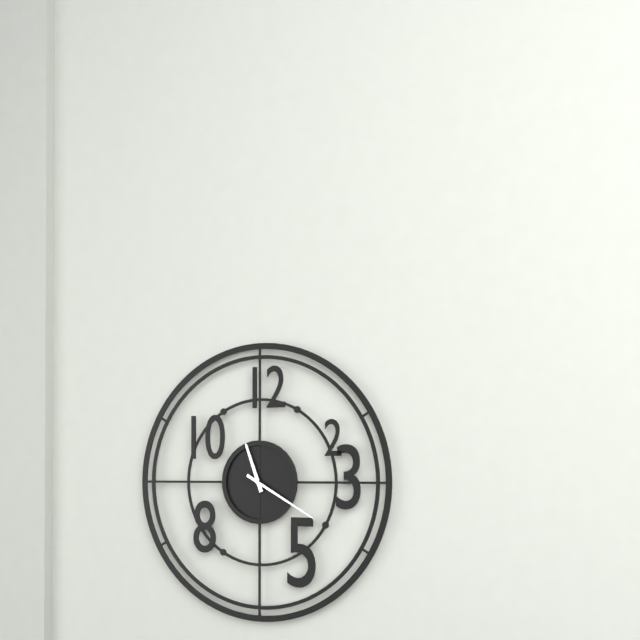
11:20
